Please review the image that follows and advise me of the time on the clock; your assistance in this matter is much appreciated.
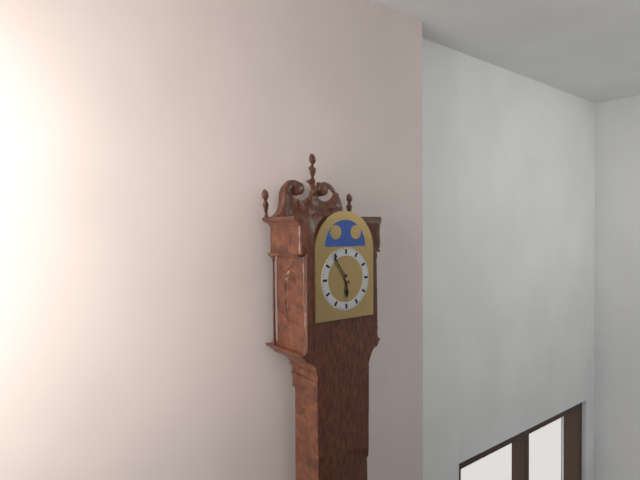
5:54
